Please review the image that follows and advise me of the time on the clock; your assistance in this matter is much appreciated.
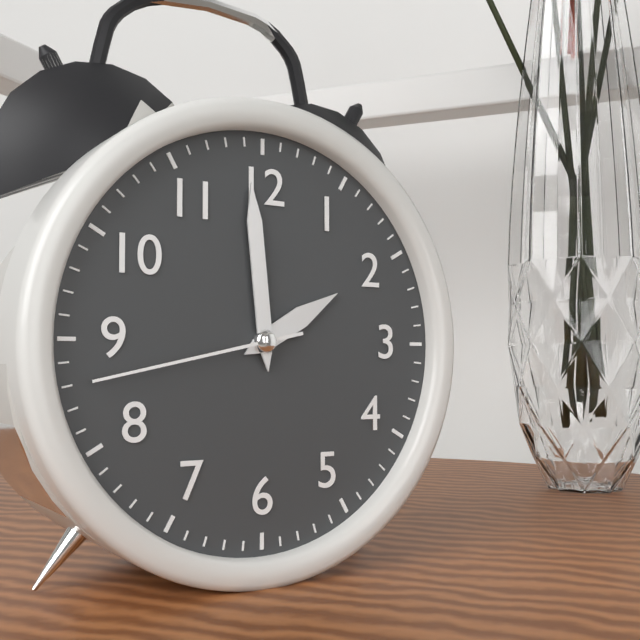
1:59:43
